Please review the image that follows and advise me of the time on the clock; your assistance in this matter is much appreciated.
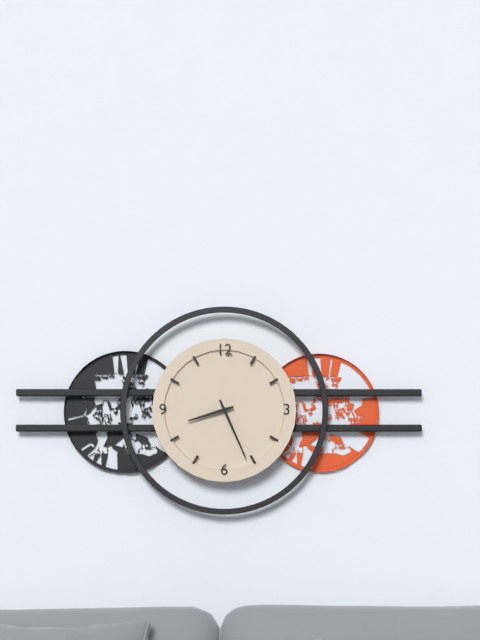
8:26
